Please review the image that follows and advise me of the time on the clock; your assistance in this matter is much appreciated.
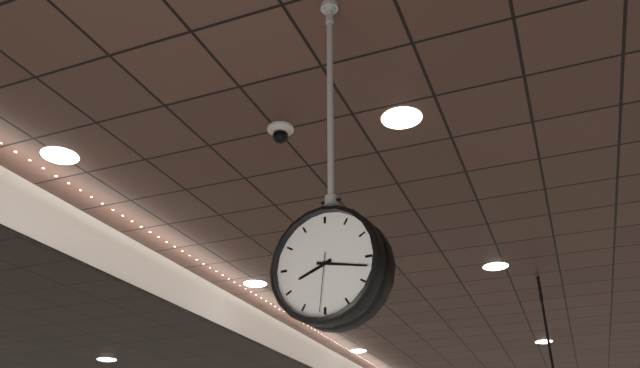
8:17:31
